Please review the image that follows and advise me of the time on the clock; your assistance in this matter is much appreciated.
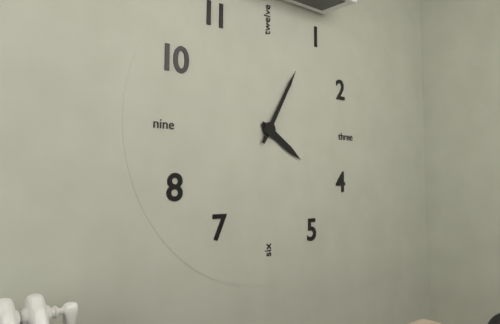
4:05
